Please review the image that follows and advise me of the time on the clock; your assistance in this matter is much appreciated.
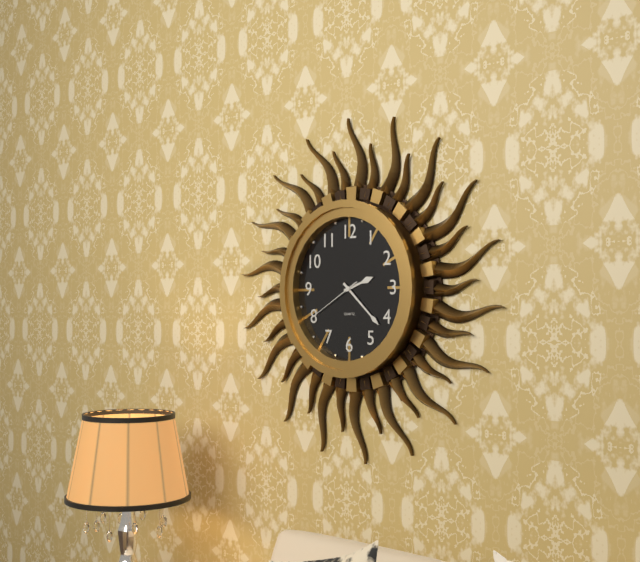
2:22:40
